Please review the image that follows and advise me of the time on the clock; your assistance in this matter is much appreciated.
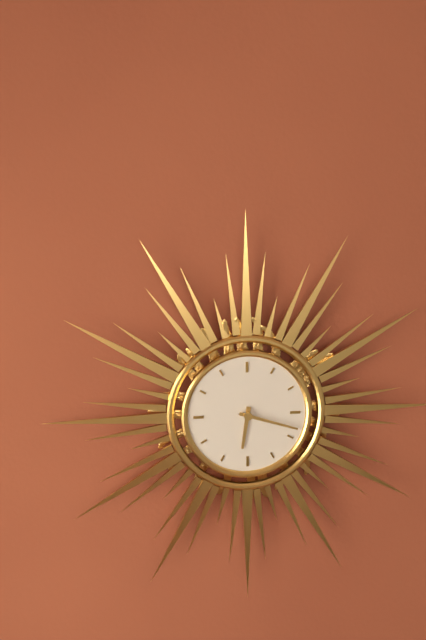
6:18
